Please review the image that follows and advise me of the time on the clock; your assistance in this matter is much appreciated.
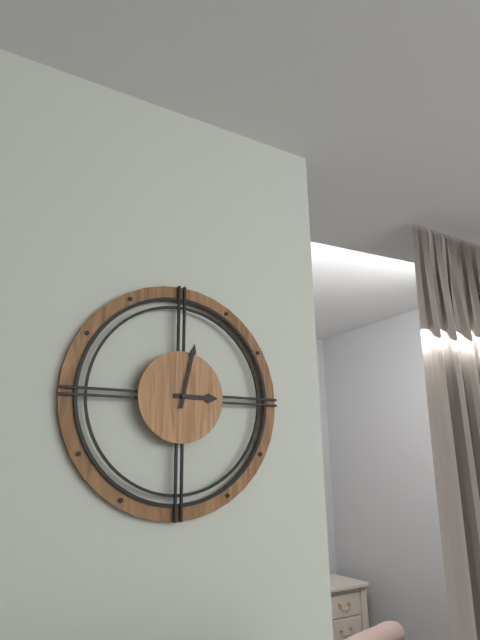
3:02
